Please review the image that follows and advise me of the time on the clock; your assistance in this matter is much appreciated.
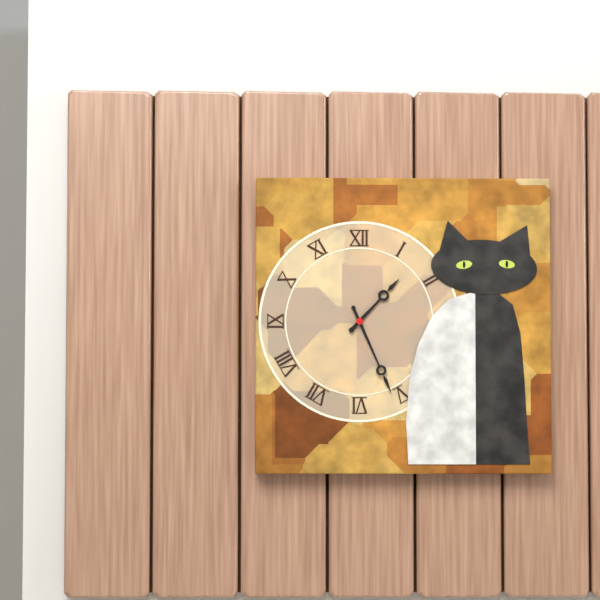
1:26
